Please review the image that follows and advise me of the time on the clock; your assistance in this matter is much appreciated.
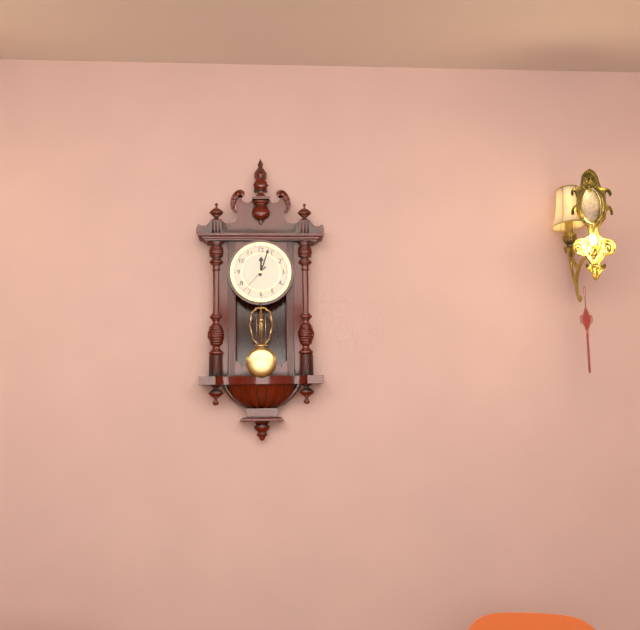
12:03
